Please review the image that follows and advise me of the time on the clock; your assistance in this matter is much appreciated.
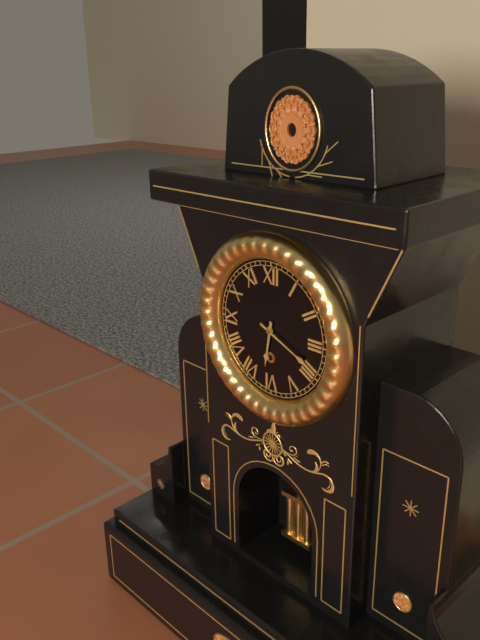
6:19
